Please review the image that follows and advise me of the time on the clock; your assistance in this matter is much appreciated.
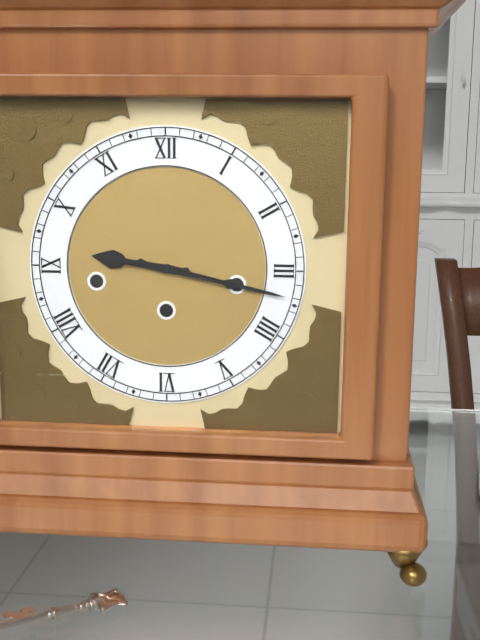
9:17
